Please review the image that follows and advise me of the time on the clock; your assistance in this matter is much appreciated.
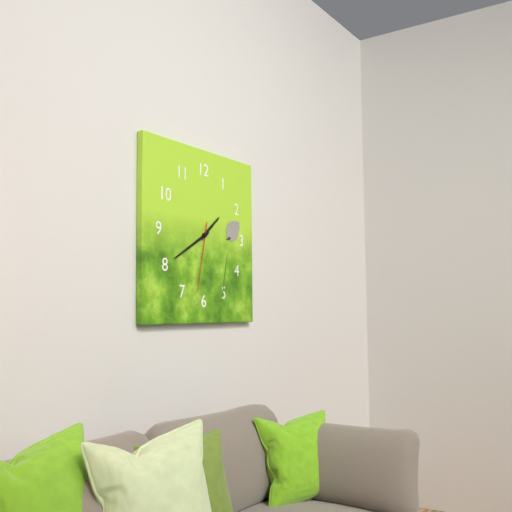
1:40:32
